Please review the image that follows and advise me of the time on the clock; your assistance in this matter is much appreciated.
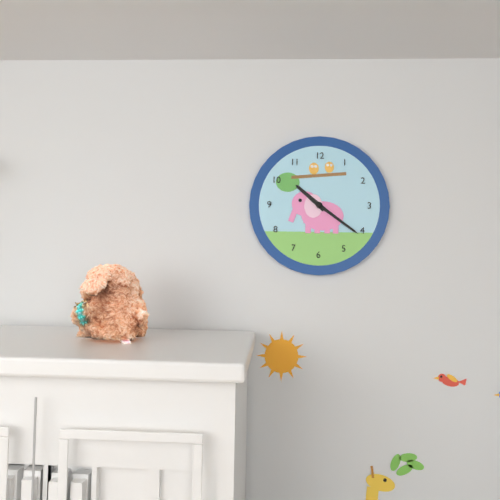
10:21
